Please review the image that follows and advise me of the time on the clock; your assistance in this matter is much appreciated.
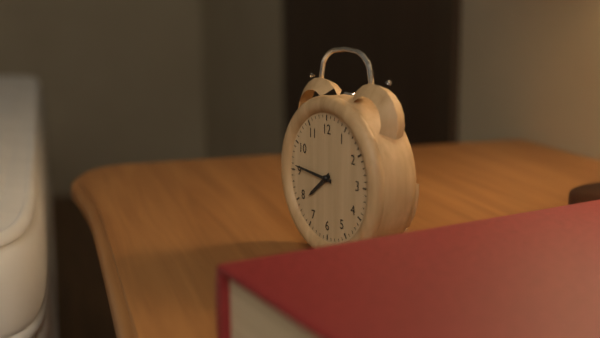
7:46
